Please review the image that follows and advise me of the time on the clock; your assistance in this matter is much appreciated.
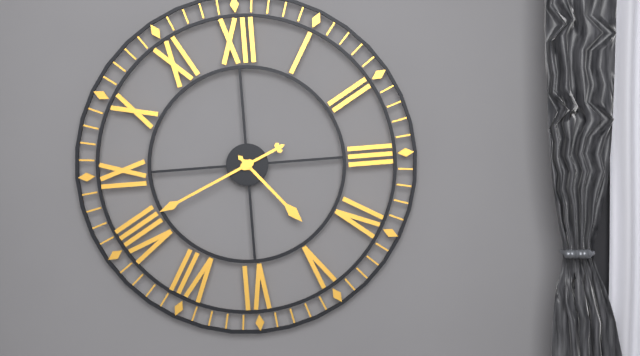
4:41
